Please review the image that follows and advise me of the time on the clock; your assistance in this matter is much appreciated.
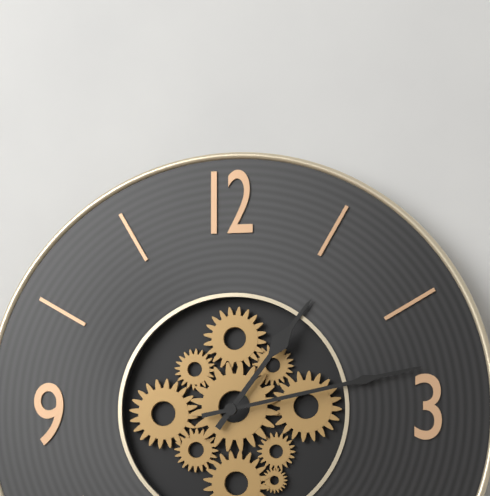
1:13
